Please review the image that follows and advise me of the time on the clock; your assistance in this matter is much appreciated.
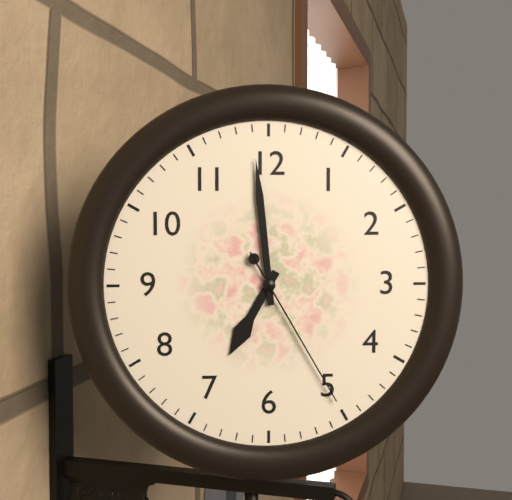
6:59:25
